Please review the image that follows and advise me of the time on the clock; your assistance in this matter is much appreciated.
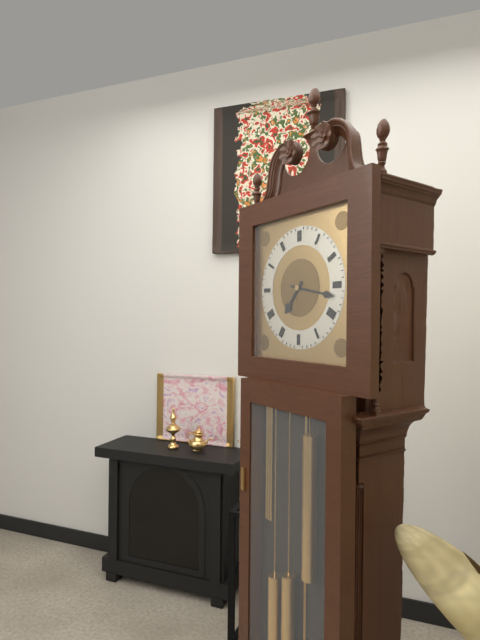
7:17
